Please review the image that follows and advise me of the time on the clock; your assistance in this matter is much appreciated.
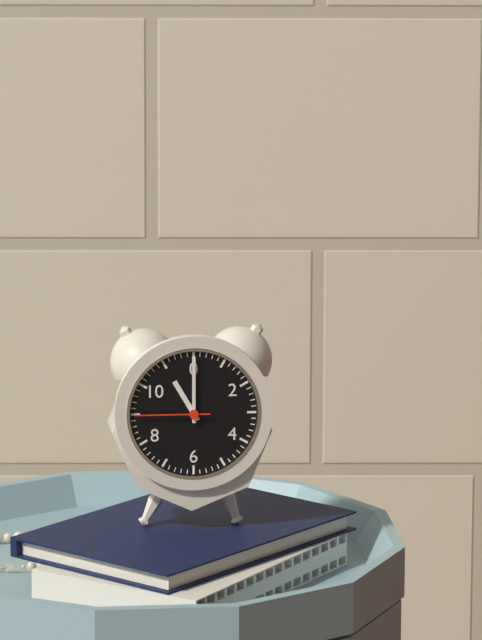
11:00:45
